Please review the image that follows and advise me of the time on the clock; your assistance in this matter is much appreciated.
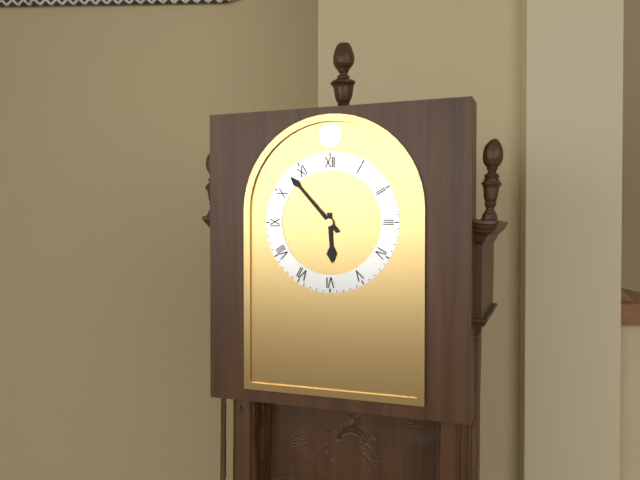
5:53
